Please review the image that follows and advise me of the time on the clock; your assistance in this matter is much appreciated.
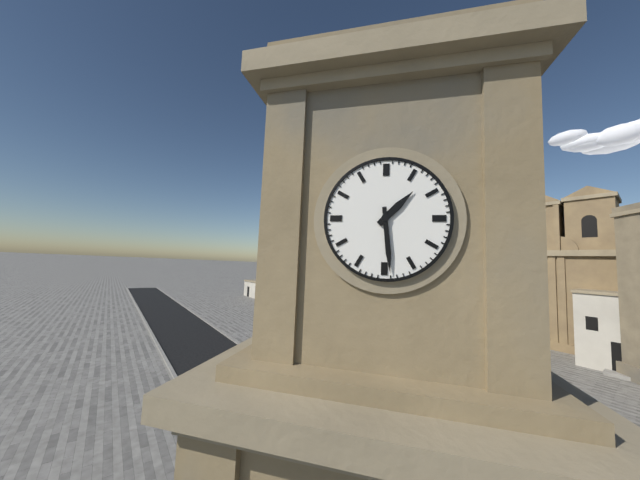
1:29
